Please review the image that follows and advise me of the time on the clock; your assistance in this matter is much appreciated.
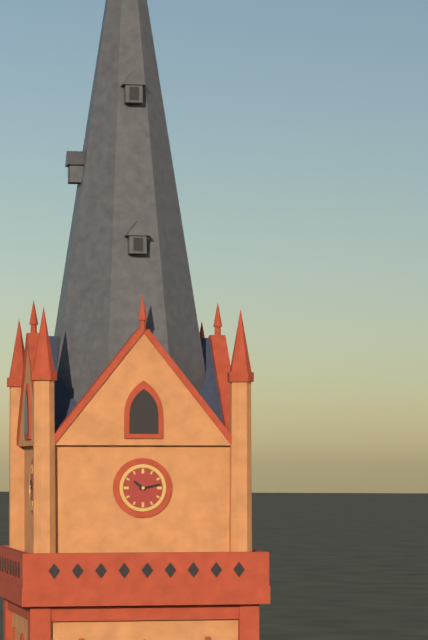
10:13
